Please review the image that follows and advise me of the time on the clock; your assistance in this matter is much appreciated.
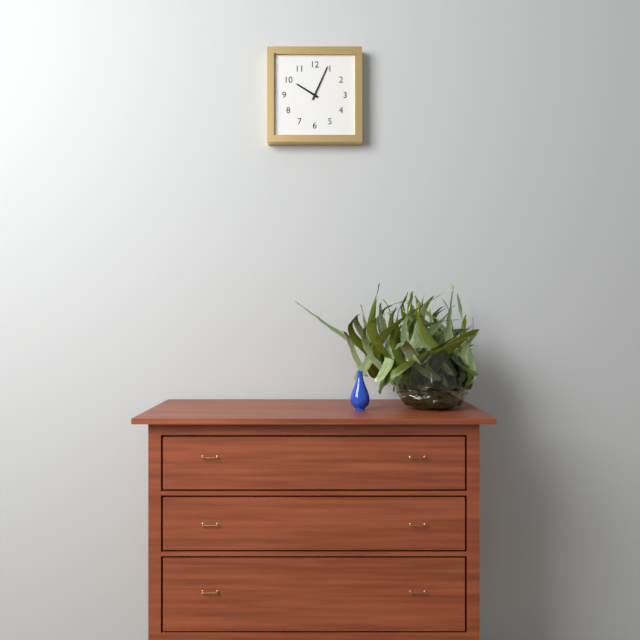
10:04
